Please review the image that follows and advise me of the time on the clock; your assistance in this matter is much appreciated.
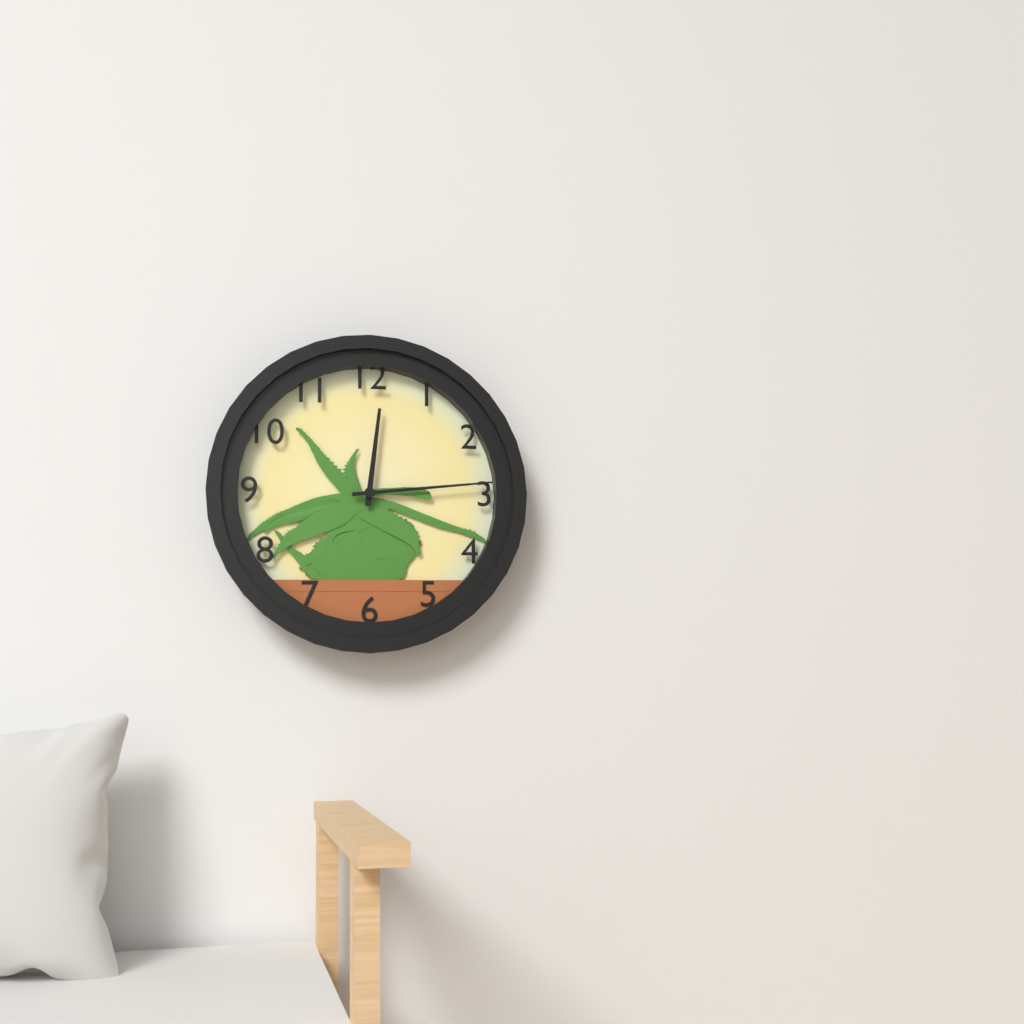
12:14
